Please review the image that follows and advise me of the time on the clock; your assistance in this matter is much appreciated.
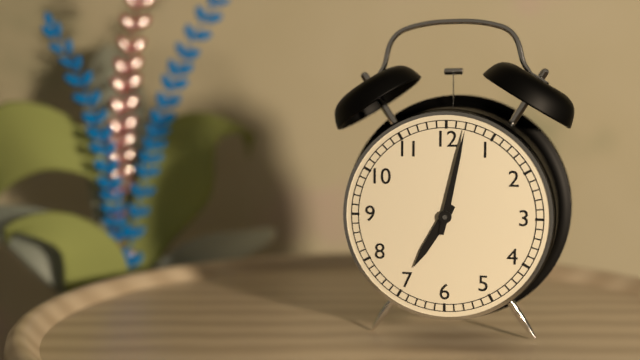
7:02
